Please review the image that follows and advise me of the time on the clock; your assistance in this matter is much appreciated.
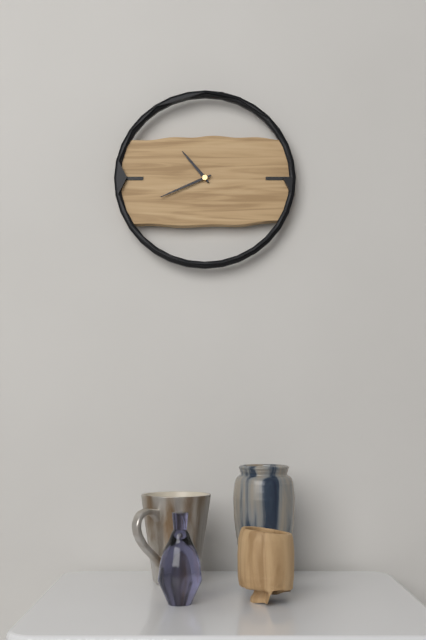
10:41
